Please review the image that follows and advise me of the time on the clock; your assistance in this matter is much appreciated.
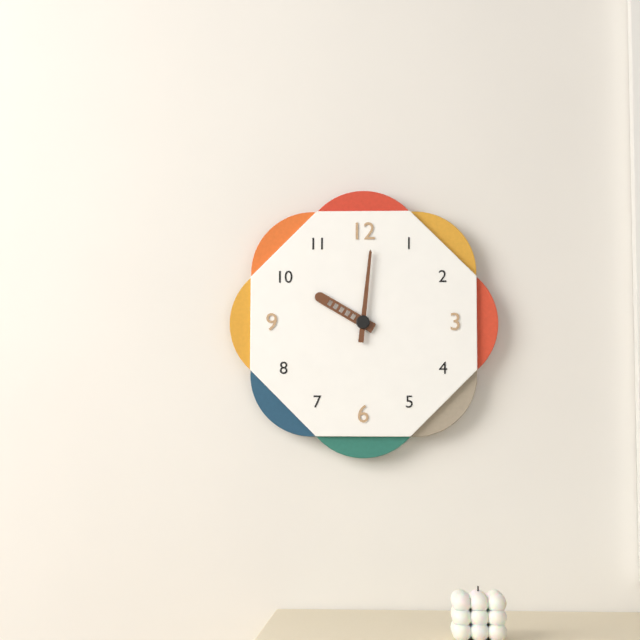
10:01
